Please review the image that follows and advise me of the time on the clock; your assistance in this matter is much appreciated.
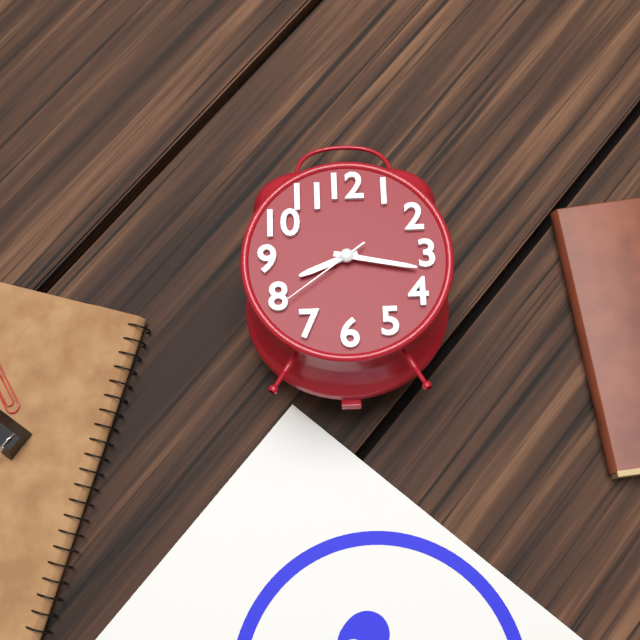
8:17:39
